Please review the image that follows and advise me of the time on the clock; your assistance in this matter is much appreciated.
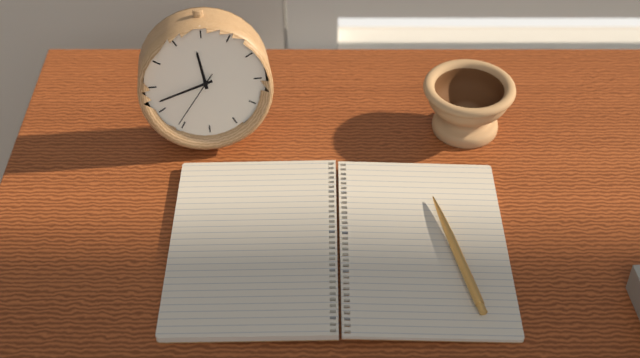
11:42:36
